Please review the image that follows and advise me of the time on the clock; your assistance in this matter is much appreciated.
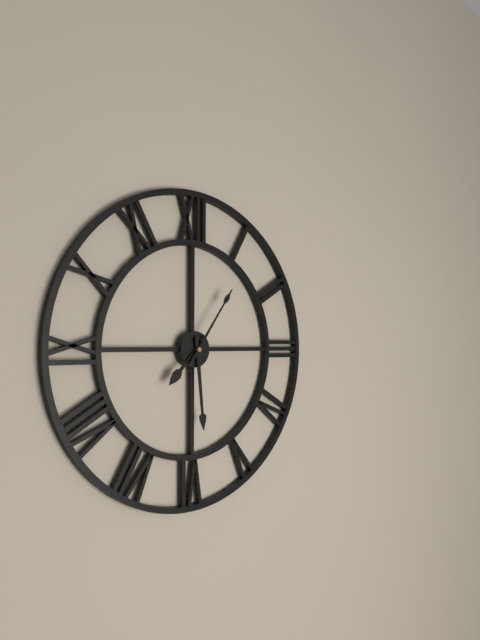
7:29:06
